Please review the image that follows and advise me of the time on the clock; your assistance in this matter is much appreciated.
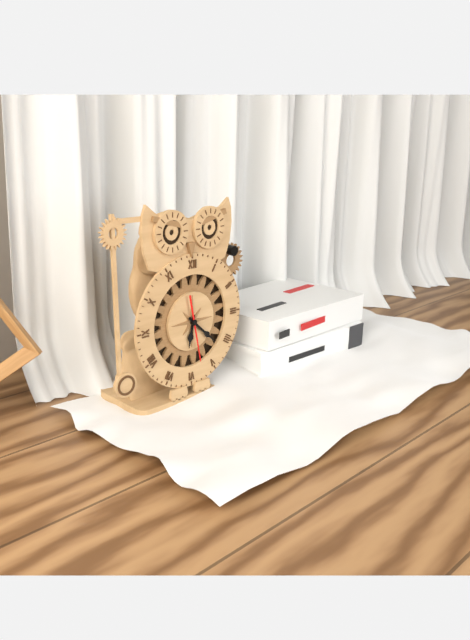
6:22:28
